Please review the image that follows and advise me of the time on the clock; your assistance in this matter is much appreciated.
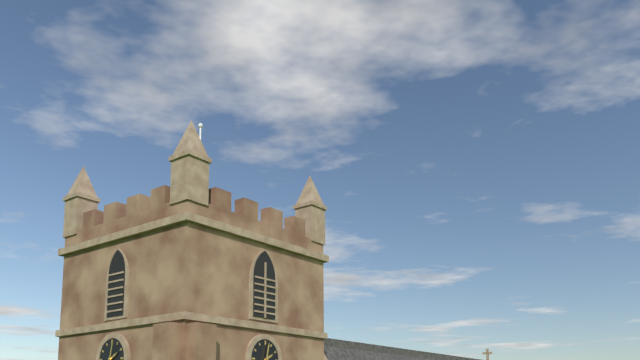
2:02
